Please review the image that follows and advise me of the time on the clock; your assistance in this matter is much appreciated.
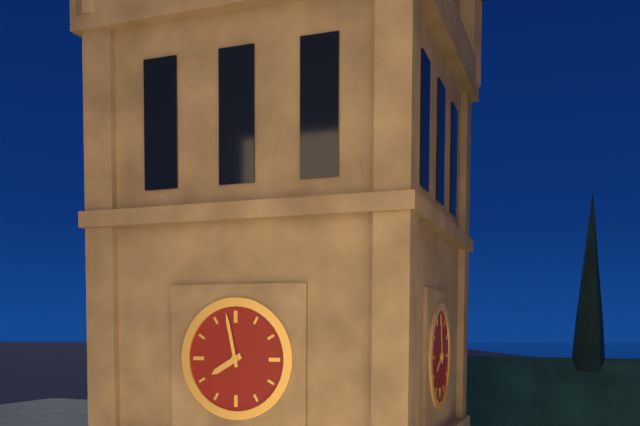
7:58
